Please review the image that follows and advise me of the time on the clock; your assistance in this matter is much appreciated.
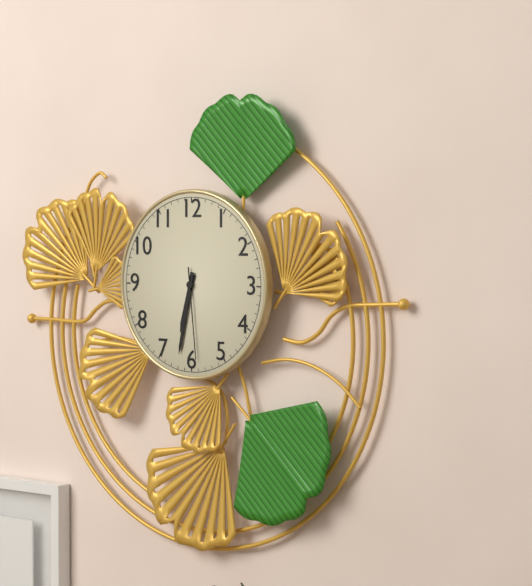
6:32:29
